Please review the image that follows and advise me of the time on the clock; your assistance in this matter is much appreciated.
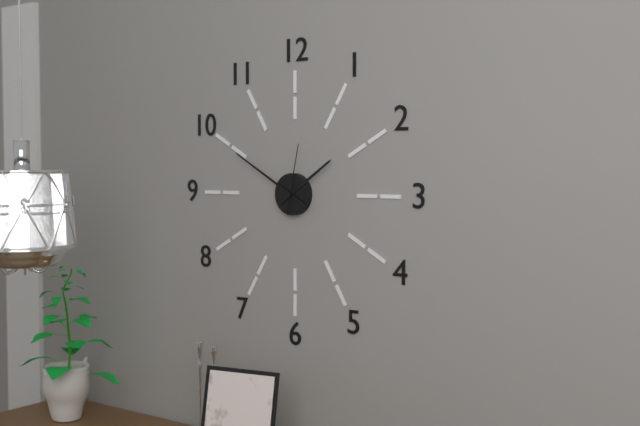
1:50:02
